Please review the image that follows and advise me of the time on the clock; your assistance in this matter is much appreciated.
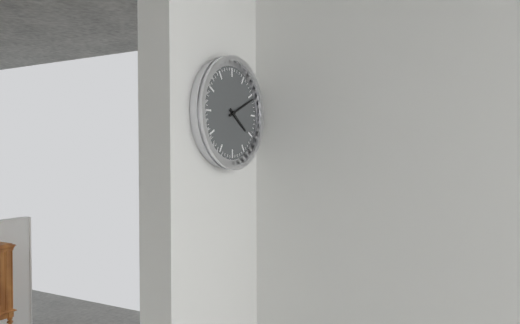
4:11
